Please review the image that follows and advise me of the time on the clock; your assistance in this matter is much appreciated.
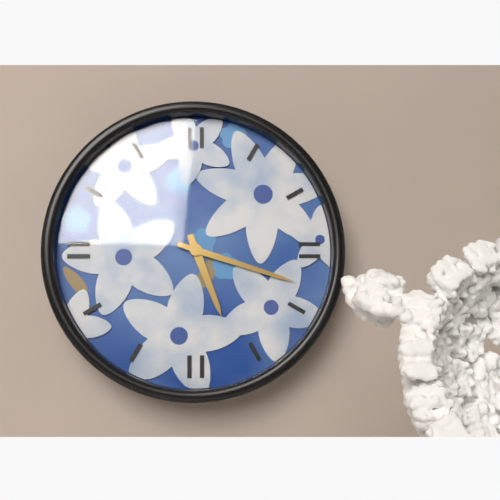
5:18
